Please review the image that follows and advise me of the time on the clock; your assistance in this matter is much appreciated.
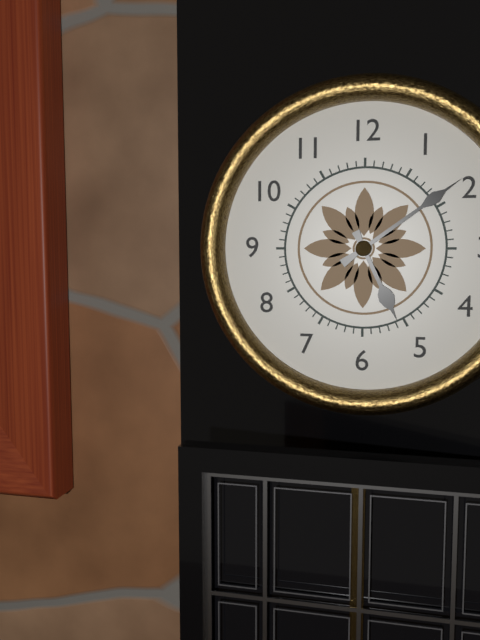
5:09
